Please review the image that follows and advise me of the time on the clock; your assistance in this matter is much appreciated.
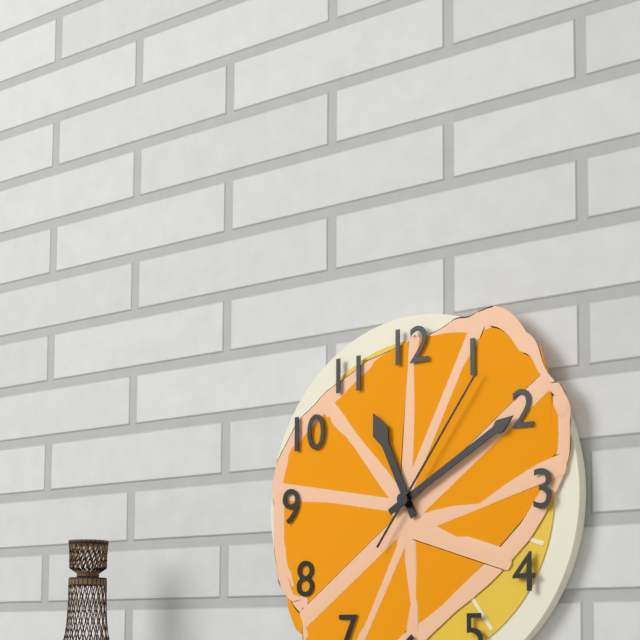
11:10:06
